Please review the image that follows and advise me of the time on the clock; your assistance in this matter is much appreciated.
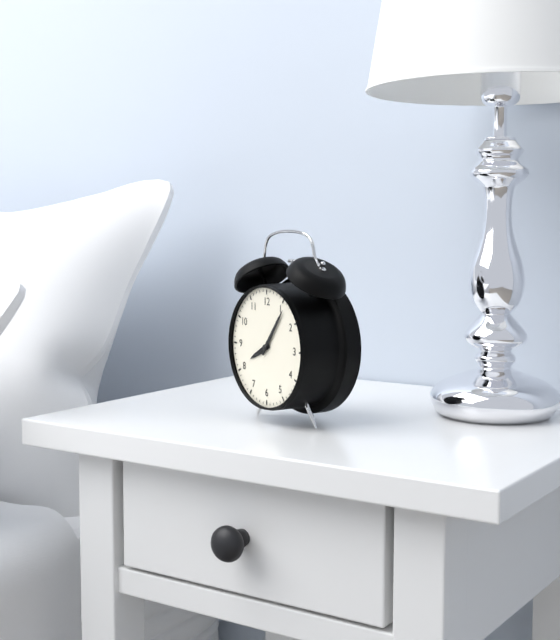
8:06
